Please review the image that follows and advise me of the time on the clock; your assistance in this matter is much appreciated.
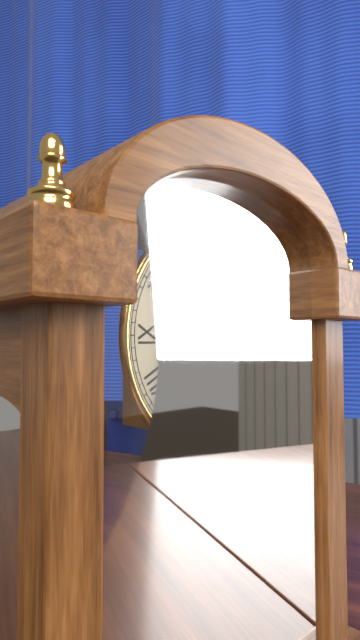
6:50
